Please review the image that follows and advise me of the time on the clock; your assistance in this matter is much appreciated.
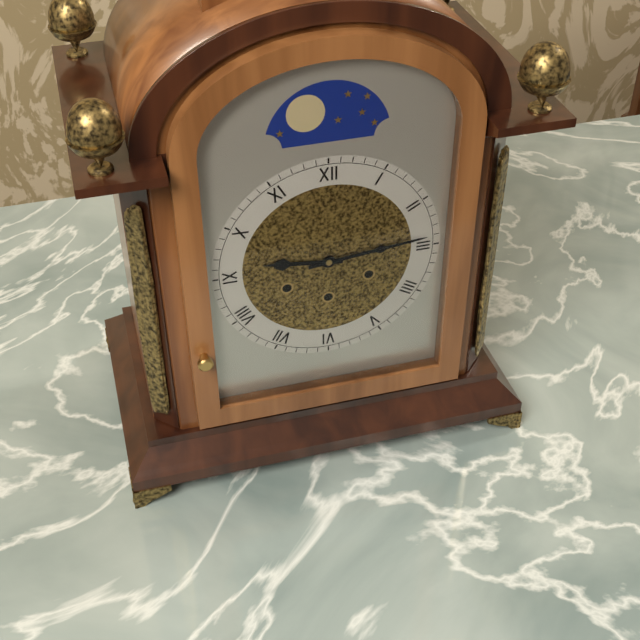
9:14
